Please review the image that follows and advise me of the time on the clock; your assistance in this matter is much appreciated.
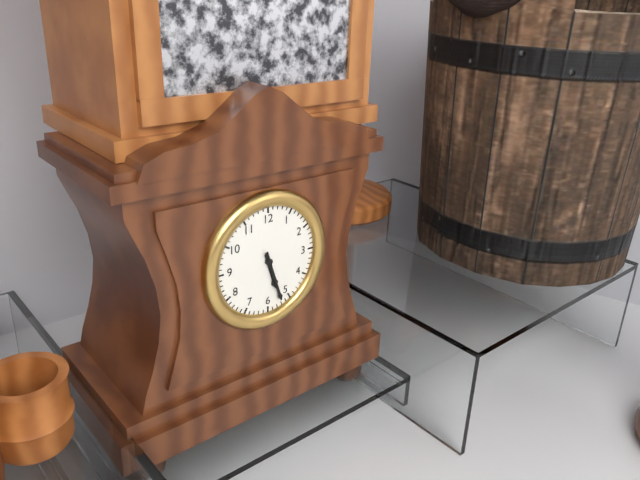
5:27
